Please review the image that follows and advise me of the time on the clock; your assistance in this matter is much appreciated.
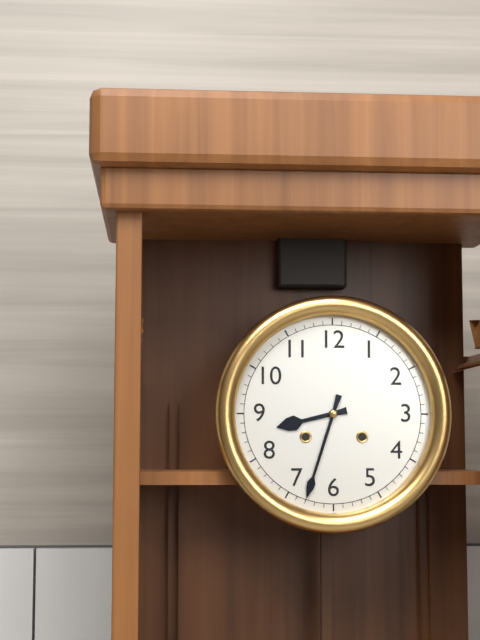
8:33
